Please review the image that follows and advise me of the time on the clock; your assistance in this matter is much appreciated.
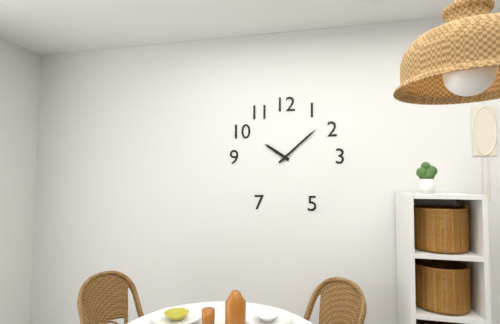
10:08
